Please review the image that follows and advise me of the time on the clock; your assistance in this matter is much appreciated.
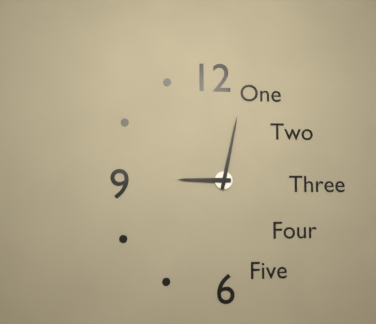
9:02
